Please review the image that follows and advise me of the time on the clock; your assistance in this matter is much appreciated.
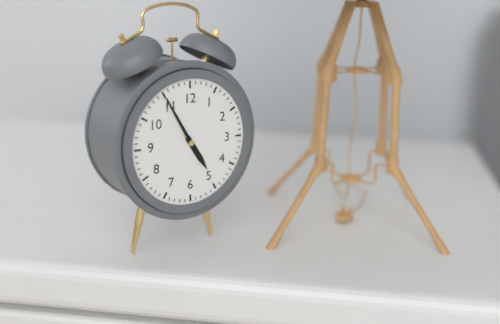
4:55
